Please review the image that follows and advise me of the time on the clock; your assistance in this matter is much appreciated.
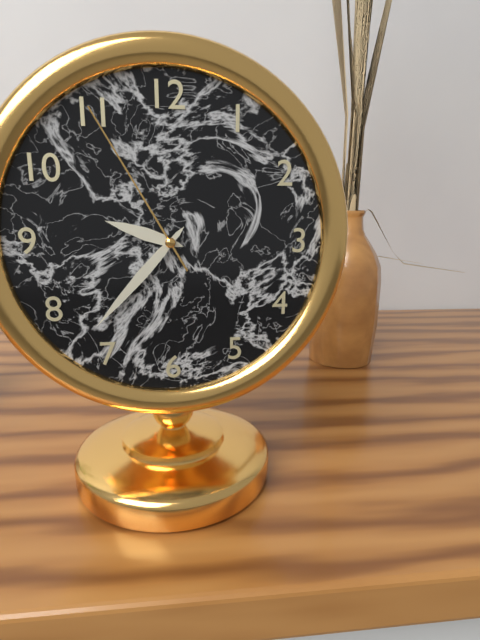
9:37:55
